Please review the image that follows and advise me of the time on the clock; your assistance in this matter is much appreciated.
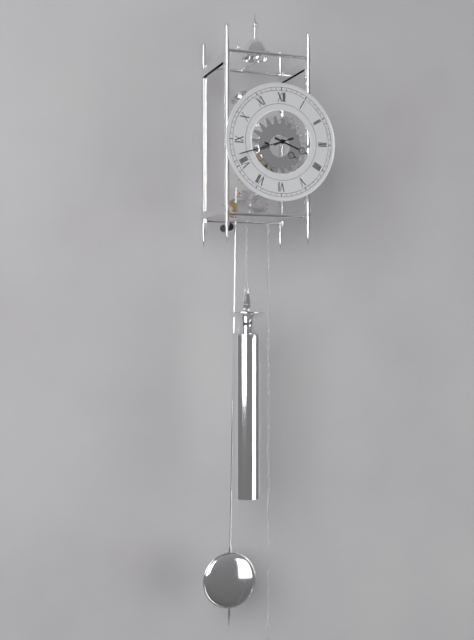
3:42
